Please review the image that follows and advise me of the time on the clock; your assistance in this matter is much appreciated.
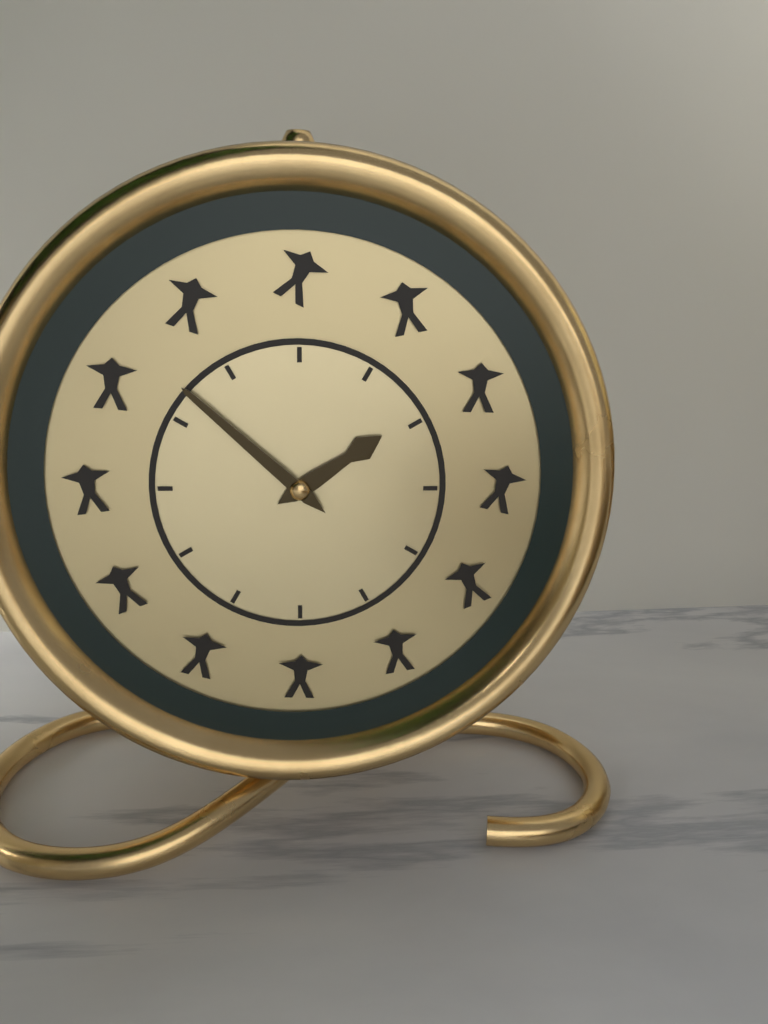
1:52
